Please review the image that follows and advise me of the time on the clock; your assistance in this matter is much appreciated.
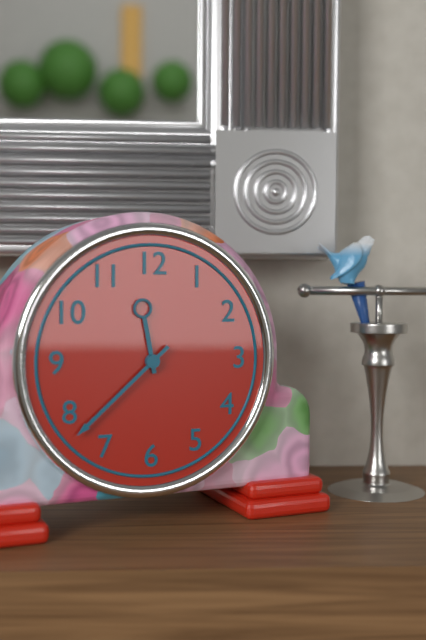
11:38
